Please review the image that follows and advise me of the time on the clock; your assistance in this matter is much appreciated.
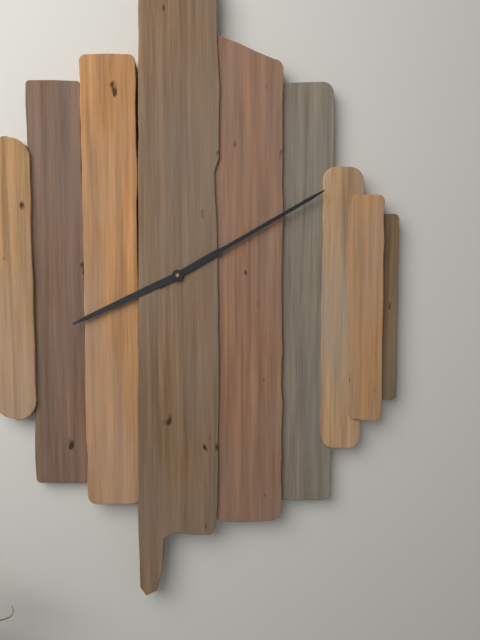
8:10
